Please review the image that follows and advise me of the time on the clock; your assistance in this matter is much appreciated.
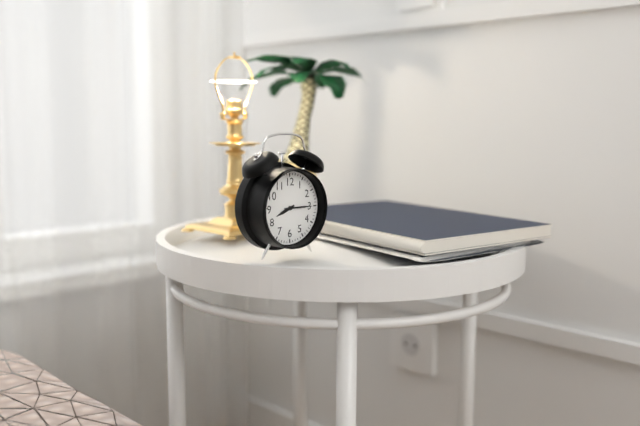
8:15
